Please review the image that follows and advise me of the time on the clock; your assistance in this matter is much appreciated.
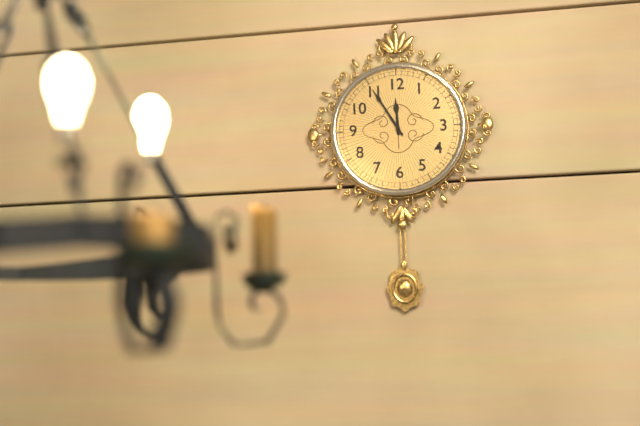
11:55
